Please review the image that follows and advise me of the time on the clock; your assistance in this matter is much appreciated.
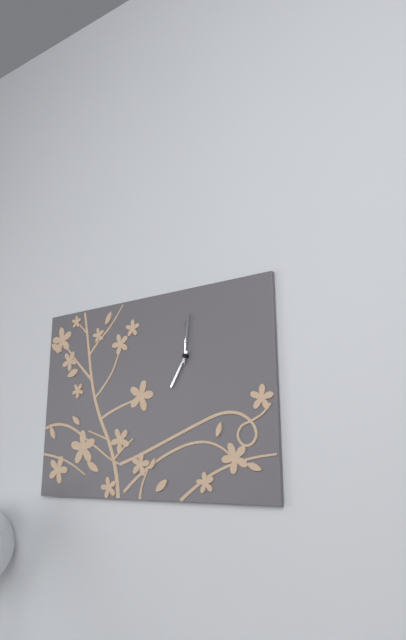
7:01
